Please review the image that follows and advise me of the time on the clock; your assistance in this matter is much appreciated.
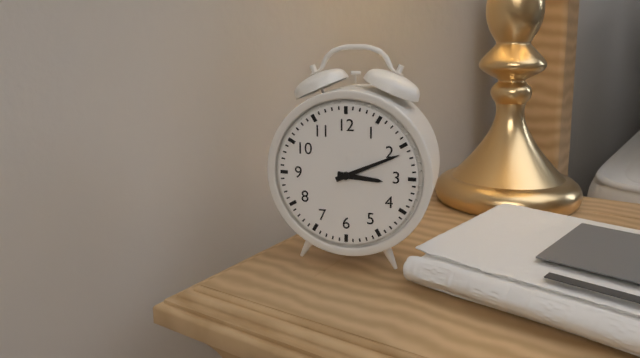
3:11
